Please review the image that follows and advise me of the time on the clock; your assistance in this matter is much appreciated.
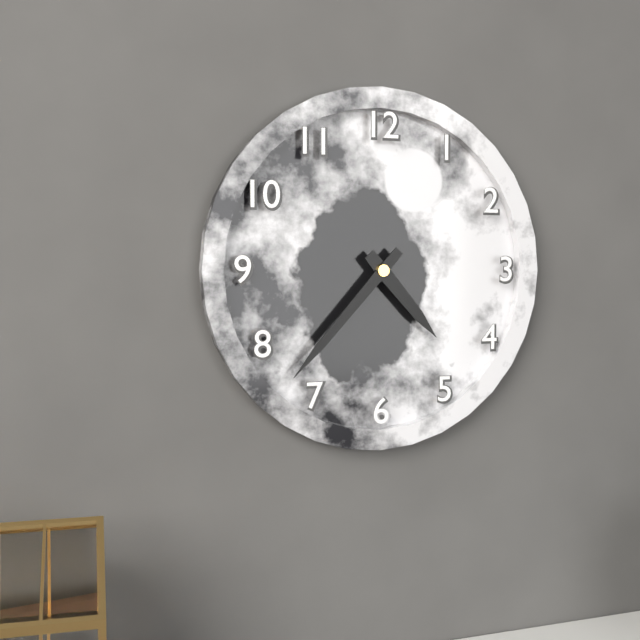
4:37
